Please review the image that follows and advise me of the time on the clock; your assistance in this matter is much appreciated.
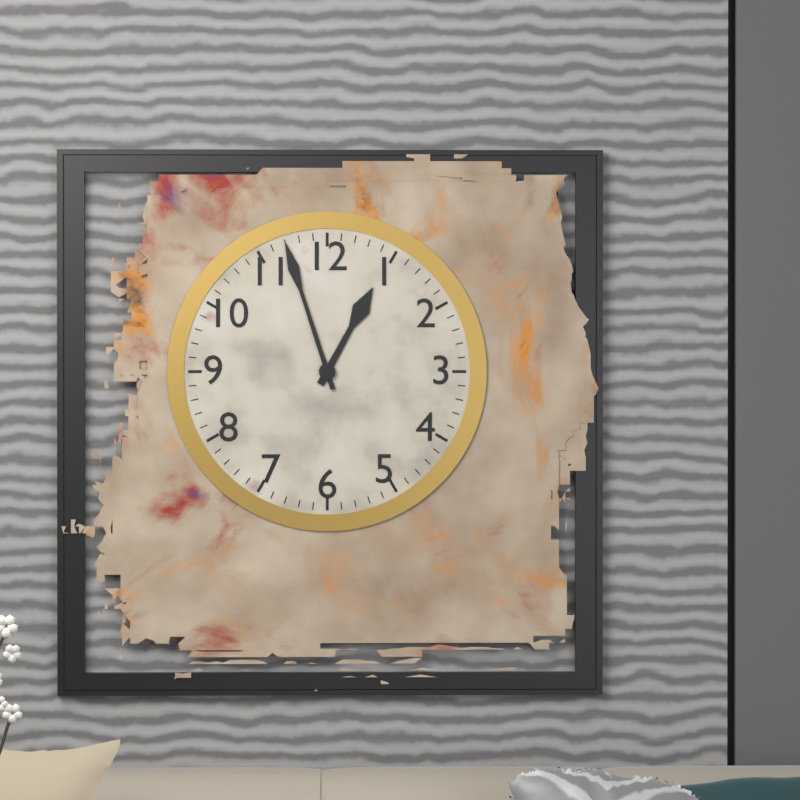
12:57
